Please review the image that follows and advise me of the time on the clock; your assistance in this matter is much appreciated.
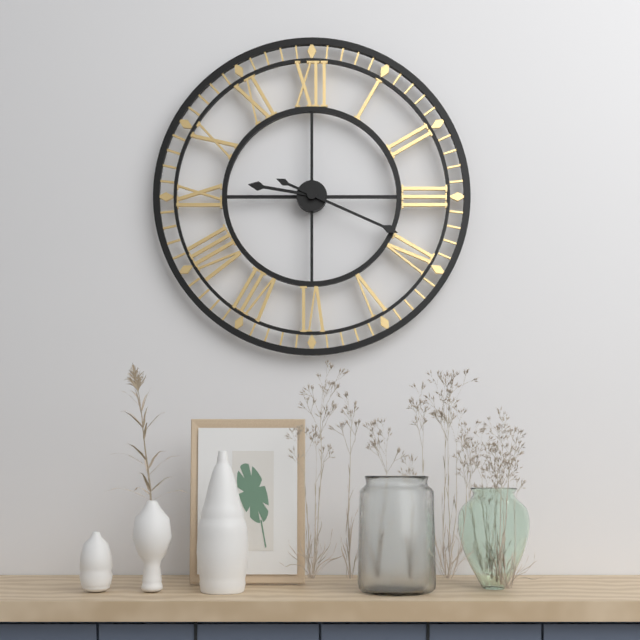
9:19
